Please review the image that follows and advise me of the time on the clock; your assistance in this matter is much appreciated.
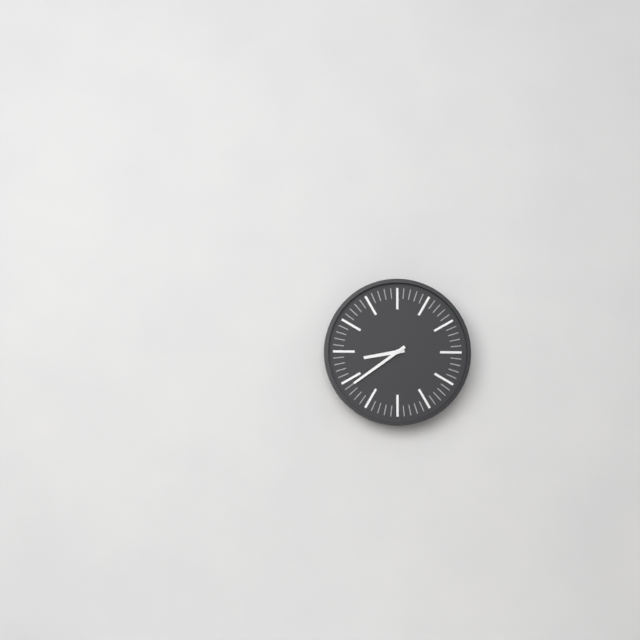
8:39
